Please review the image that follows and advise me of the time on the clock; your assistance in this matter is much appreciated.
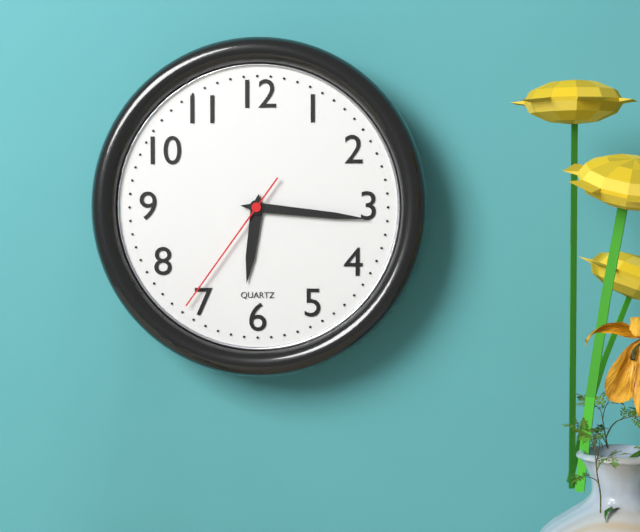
6:16:36
